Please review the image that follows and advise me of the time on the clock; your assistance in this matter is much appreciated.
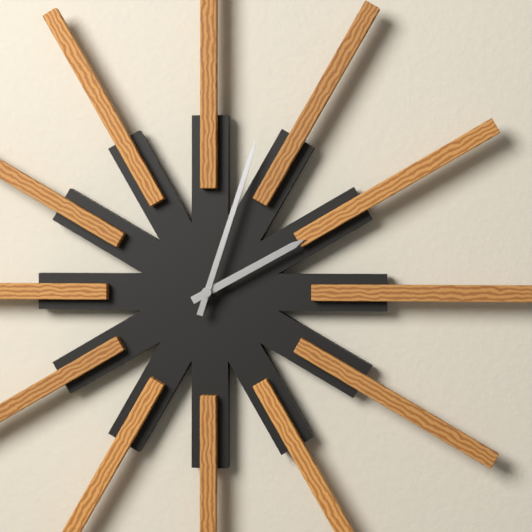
2:03
